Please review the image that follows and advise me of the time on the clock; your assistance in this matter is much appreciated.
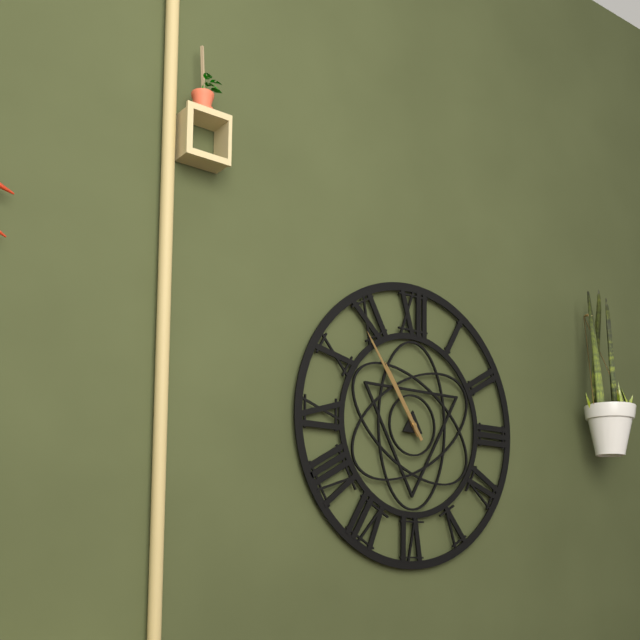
10:54
